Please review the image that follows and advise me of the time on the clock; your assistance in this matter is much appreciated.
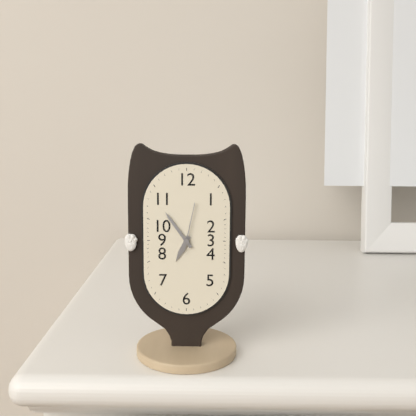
6:54
